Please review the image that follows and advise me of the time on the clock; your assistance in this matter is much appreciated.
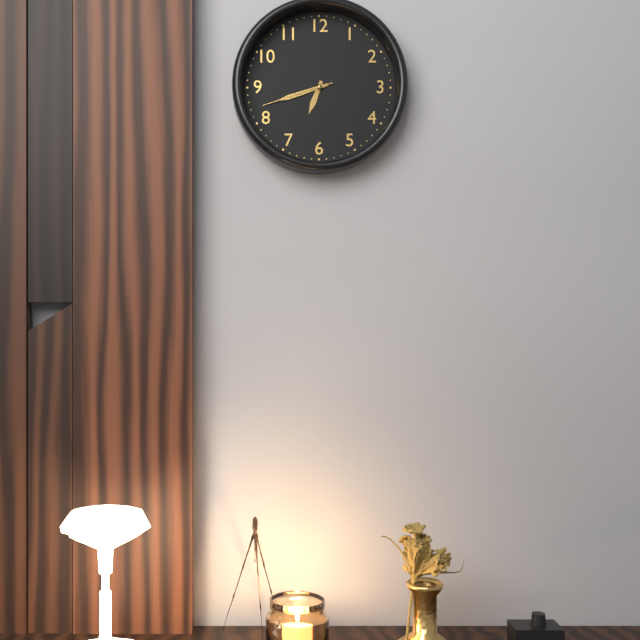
6:42:42
